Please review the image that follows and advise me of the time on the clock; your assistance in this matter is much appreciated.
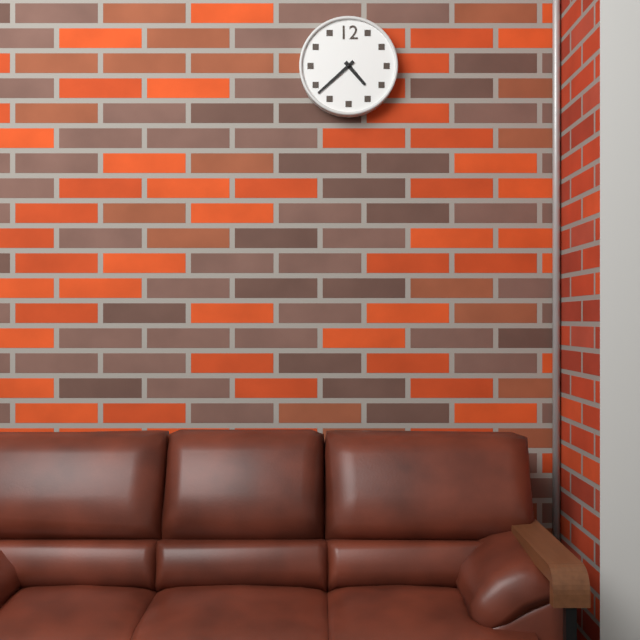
4:38
